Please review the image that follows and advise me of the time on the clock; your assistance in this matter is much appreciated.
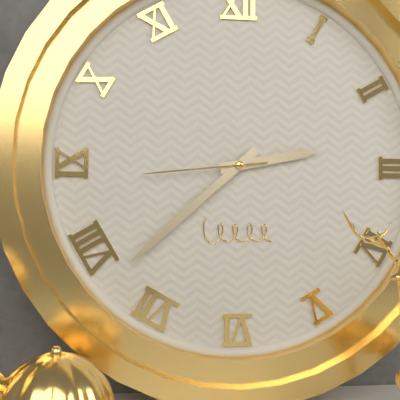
2:38:44
